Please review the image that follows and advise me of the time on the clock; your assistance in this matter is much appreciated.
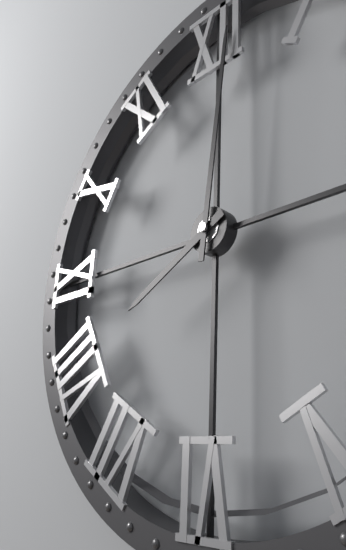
8:01
